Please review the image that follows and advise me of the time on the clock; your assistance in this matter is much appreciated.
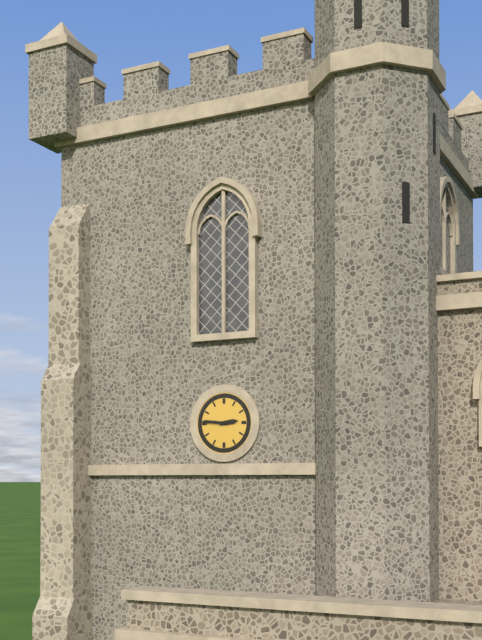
2:46
